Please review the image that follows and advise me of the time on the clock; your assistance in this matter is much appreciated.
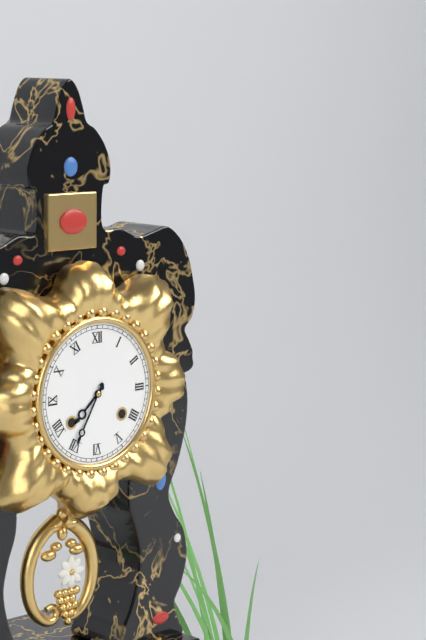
7:35
